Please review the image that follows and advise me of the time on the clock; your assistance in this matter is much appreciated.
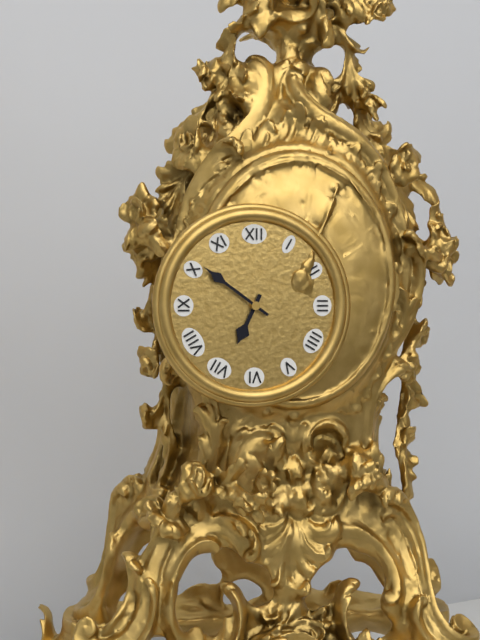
6:51
